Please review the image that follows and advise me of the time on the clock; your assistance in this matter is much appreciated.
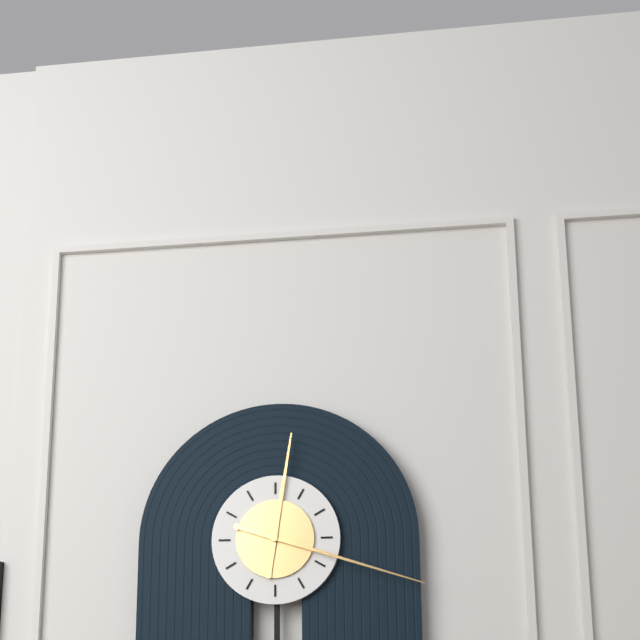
12:18
